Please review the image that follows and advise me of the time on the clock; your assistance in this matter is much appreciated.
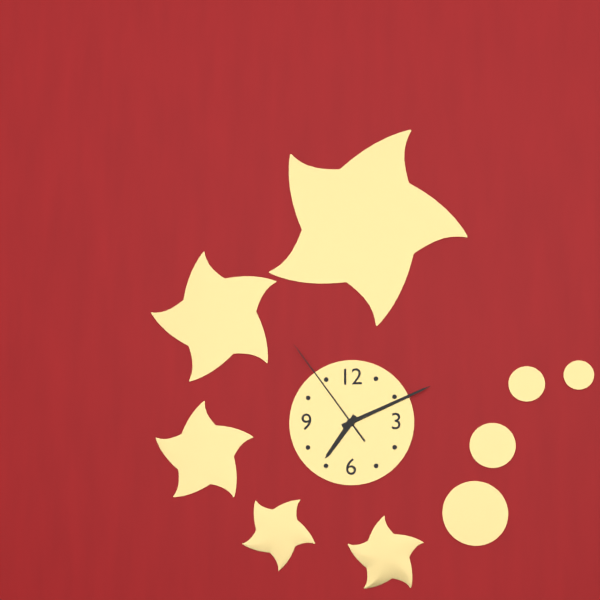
7:11:54
